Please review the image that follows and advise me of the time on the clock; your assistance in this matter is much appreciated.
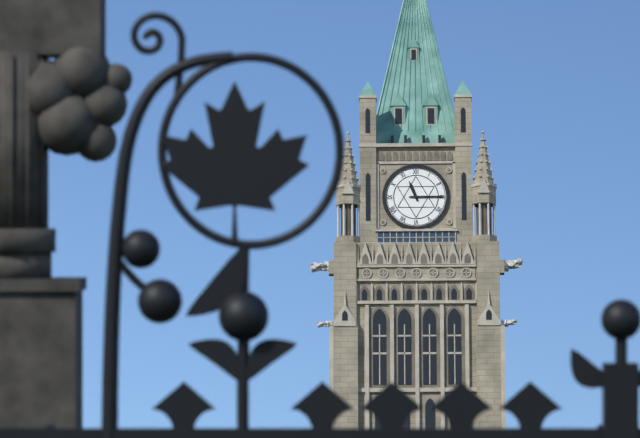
11:15
